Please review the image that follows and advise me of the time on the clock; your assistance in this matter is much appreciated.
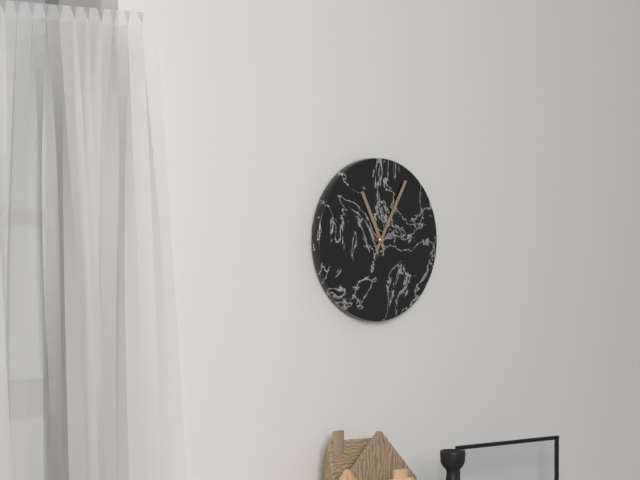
11:05
